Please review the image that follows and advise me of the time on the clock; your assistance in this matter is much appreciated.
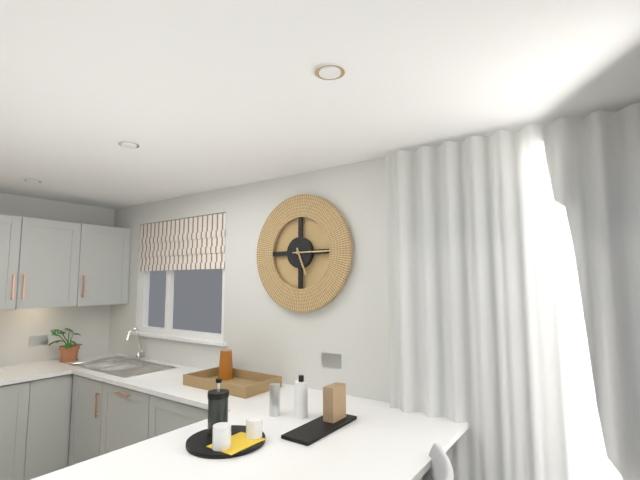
5:15
